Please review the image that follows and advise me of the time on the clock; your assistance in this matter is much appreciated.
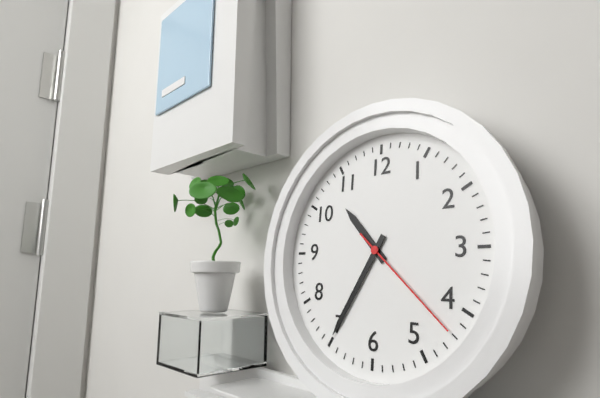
10:35:22
